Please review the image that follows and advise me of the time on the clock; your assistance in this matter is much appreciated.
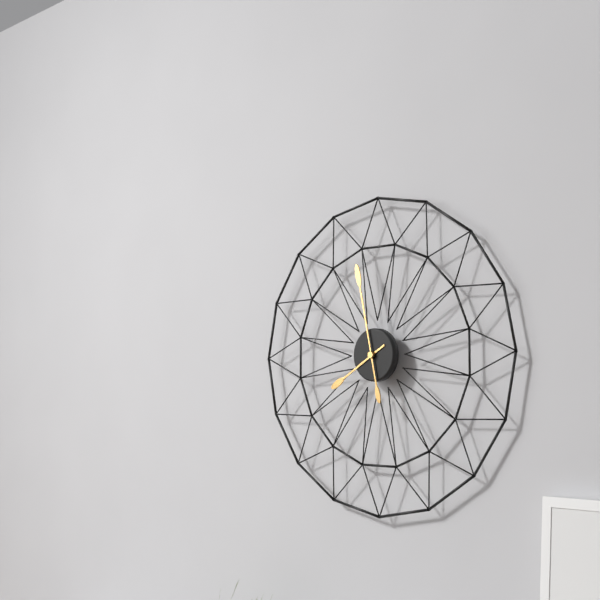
7:58
